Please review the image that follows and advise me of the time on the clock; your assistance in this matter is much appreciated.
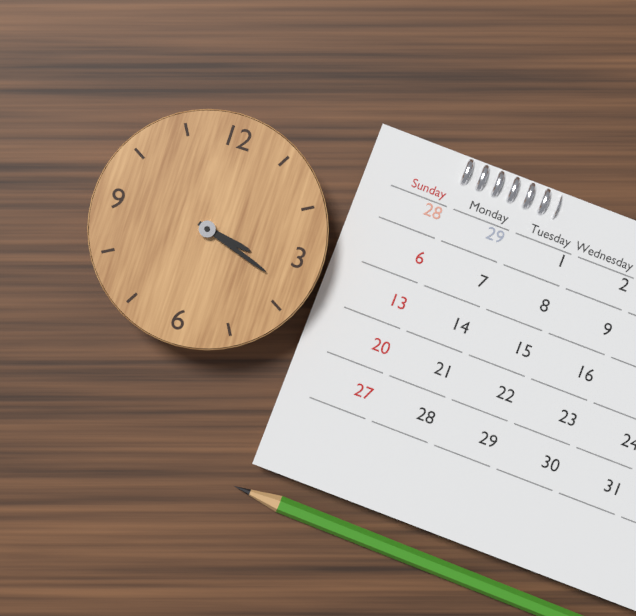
3:18
